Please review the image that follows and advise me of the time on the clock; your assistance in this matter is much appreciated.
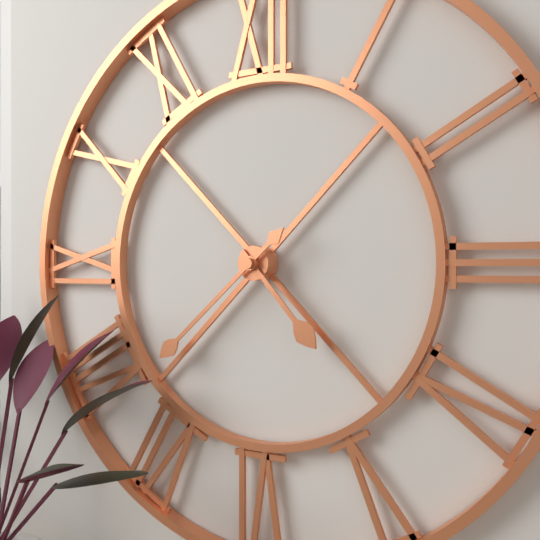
4:38
